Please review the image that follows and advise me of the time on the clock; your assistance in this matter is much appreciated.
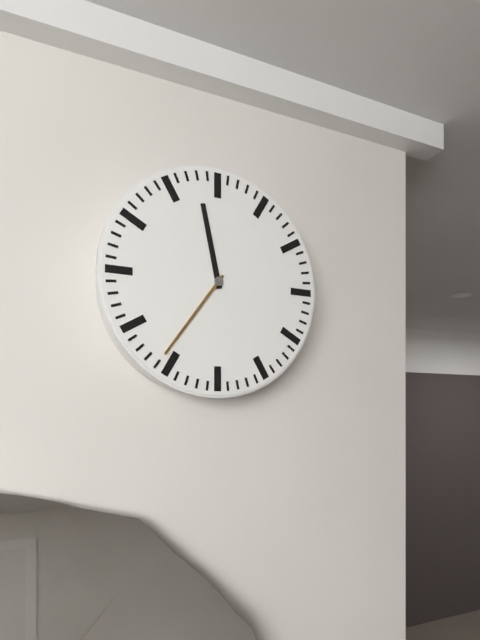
11:36
